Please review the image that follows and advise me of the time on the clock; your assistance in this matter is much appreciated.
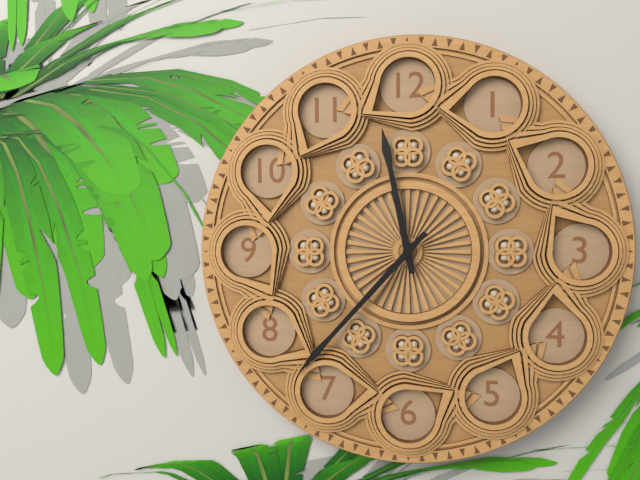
11:37
